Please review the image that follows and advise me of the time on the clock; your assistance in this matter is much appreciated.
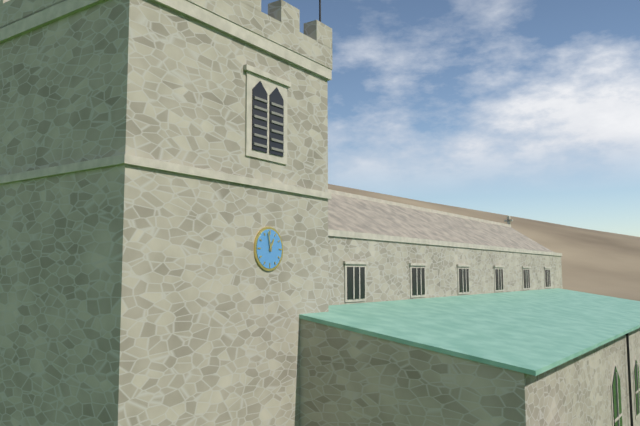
12:58
